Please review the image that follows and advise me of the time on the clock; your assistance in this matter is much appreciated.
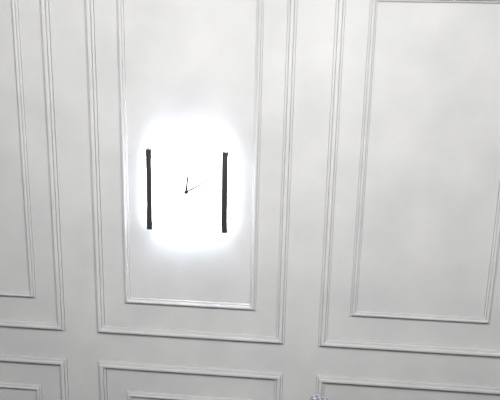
12:10
